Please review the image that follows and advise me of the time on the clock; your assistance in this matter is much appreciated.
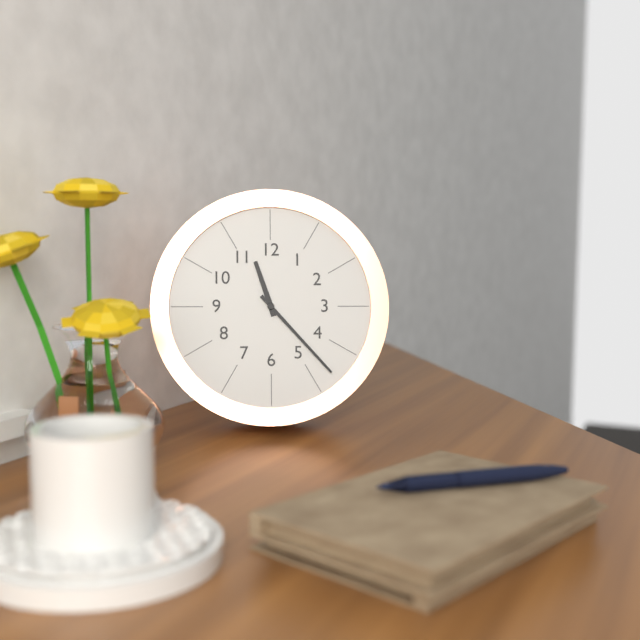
11:23
